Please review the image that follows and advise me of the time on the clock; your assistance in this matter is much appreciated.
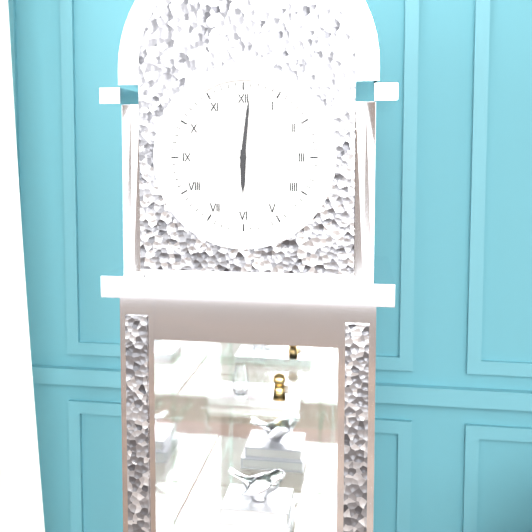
6:01
